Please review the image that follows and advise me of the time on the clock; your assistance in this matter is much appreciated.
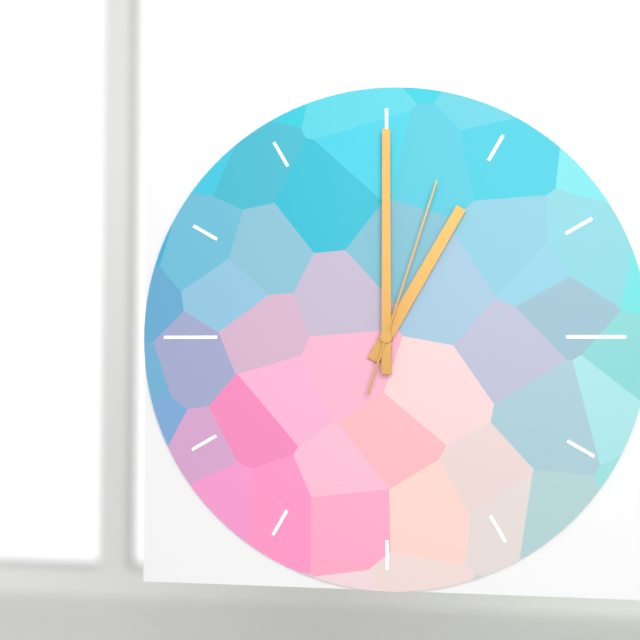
1:00:03
